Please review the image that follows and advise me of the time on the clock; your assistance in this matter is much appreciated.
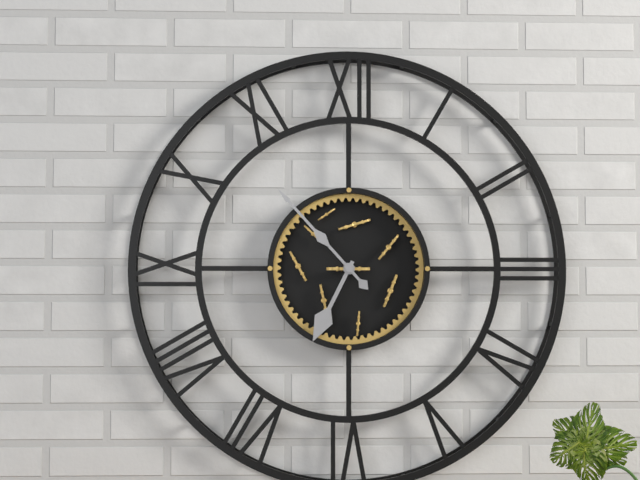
6:53
